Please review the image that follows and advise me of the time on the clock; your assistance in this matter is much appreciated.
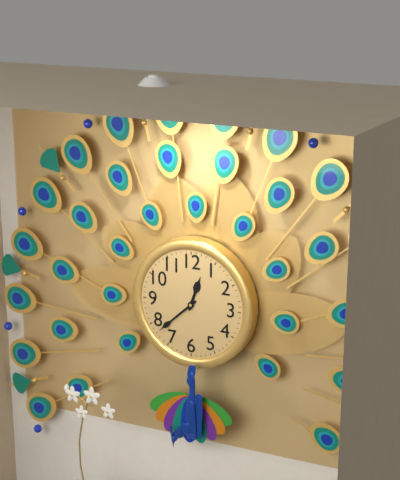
12:38
